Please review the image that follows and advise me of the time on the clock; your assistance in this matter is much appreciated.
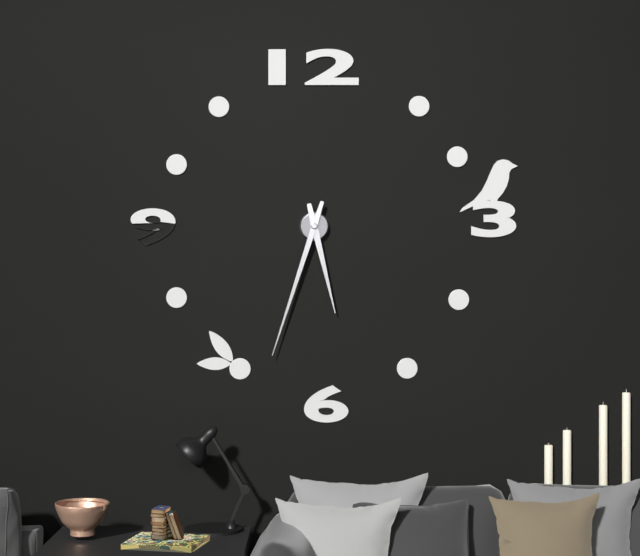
5:33
